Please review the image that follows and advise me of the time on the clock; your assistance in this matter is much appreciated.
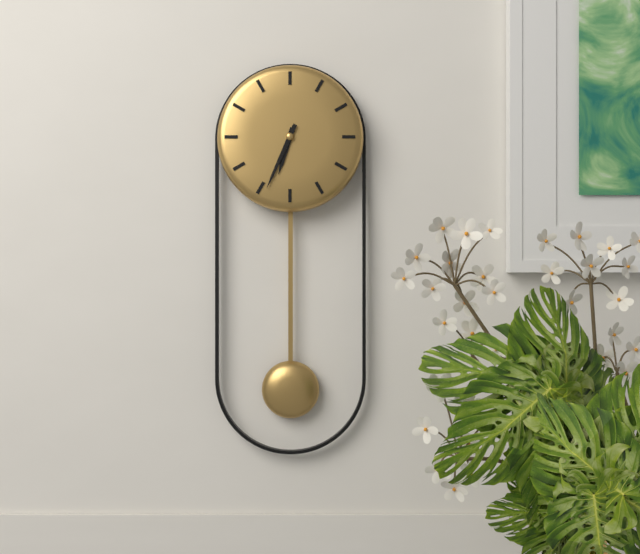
6:34
